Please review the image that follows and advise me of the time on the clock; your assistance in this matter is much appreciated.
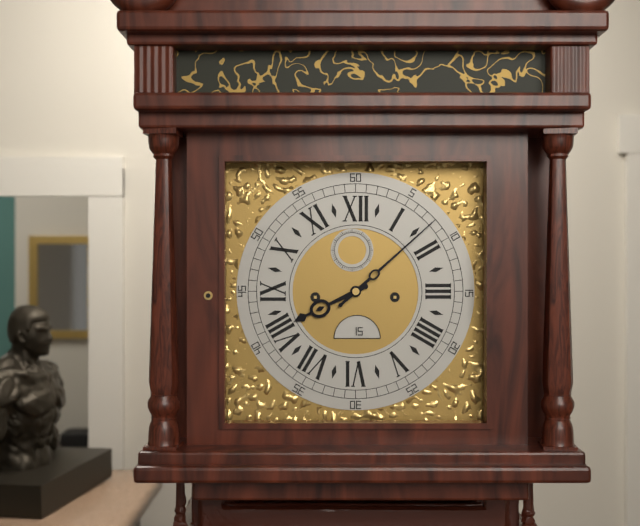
8:08
